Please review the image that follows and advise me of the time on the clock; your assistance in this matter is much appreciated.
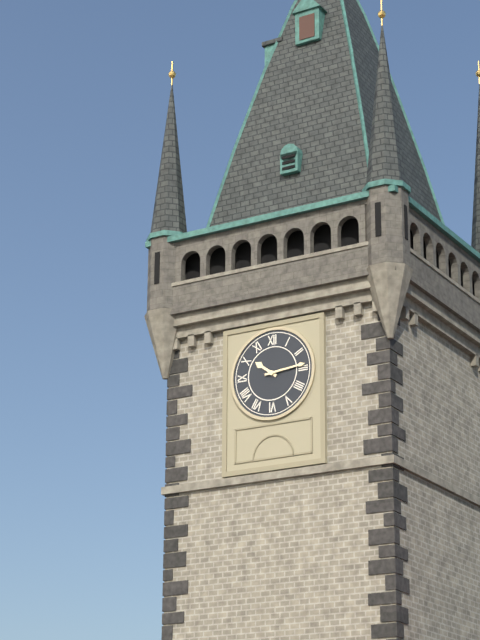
10:14
